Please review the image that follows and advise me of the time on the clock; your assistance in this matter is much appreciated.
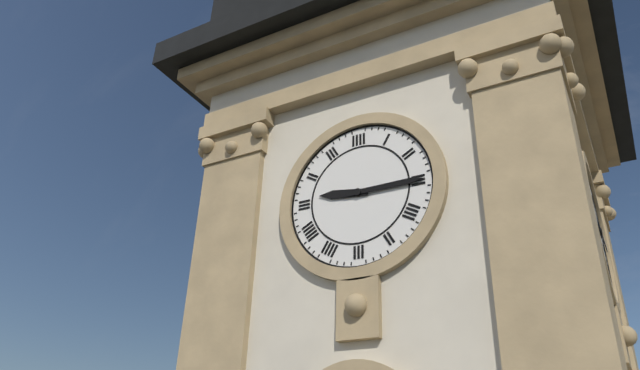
9:15
